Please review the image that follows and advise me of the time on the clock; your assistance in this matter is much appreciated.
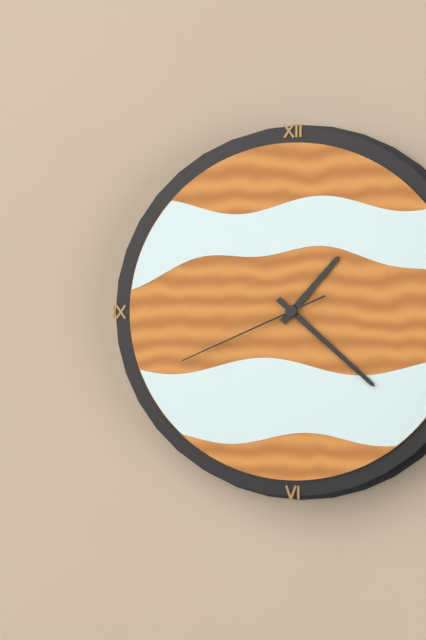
1:22:41
